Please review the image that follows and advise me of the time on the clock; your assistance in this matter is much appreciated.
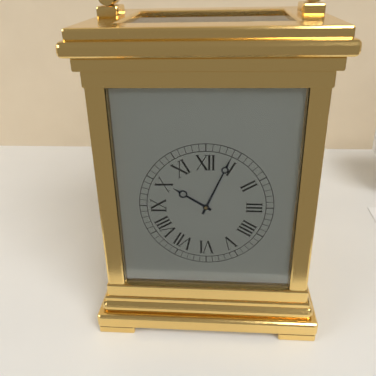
10:04
